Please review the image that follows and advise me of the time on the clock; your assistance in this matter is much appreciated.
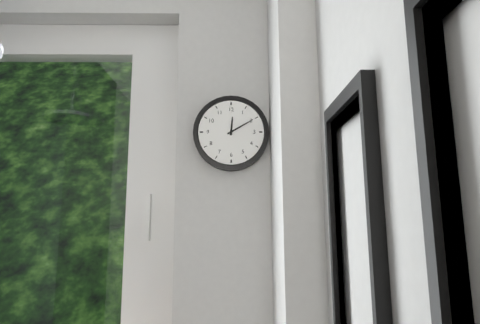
12:10
